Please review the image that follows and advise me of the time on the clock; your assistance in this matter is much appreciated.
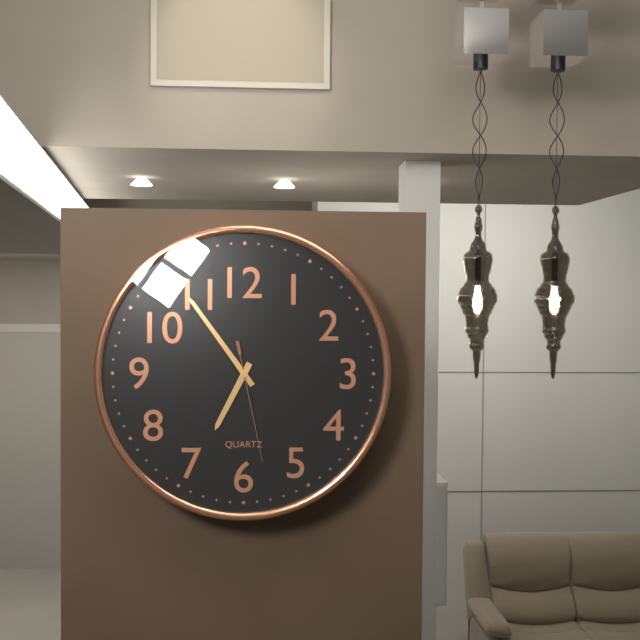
6:54:28
